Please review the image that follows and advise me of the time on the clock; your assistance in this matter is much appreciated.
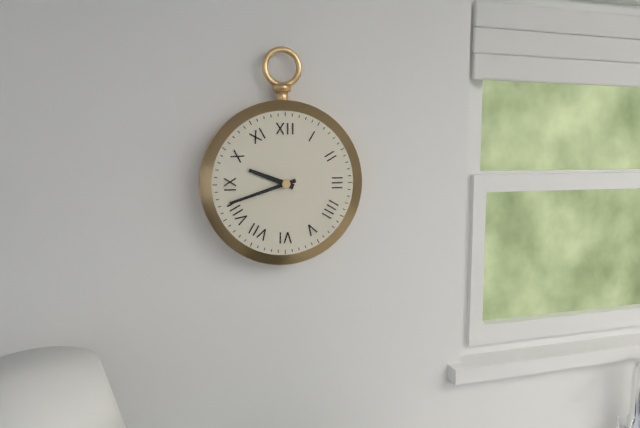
9:42
